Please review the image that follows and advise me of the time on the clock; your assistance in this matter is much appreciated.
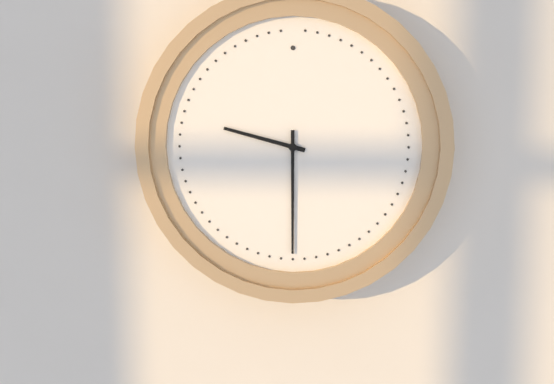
9:30
